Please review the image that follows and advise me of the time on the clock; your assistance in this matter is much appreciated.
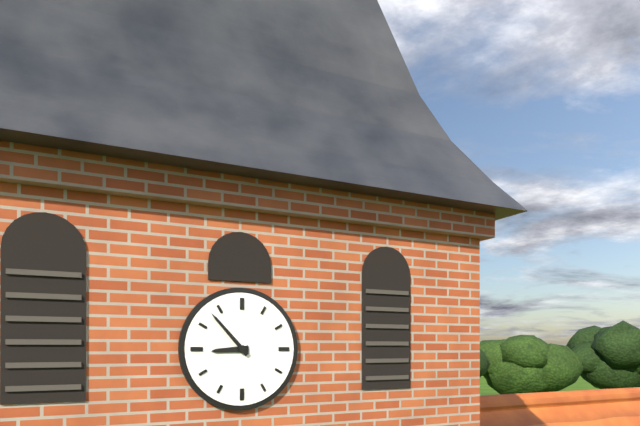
8:53
